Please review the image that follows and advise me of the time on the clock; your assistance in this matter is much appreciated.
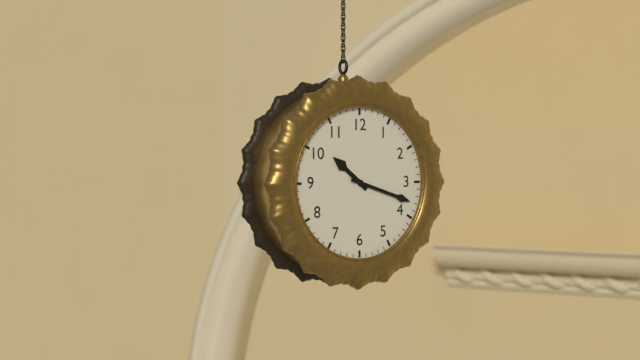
10:18
